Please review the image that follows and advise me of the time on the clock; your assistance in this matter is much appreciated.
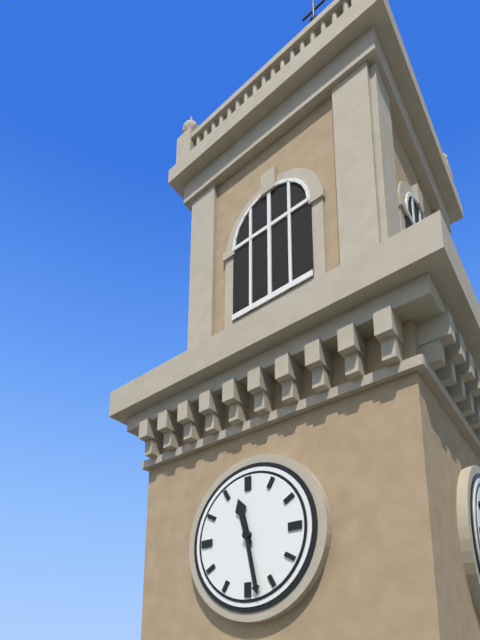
11:28
